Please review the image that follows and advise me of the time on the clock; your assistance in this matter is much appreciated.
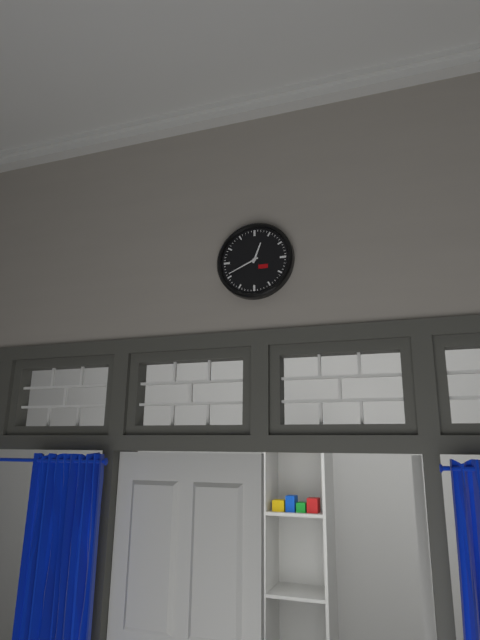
12:41
